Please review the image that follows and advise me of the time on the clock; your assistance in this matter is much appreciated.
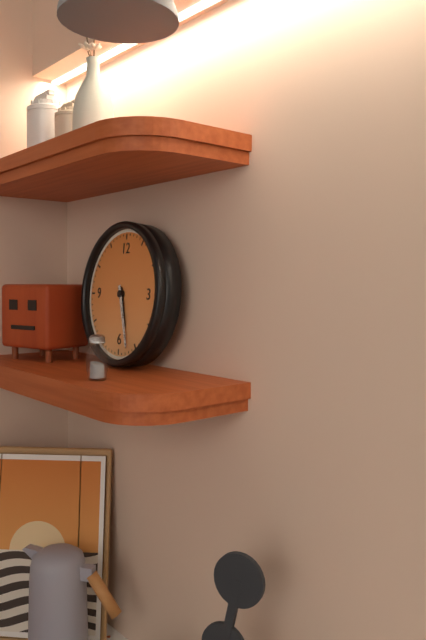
5:27
